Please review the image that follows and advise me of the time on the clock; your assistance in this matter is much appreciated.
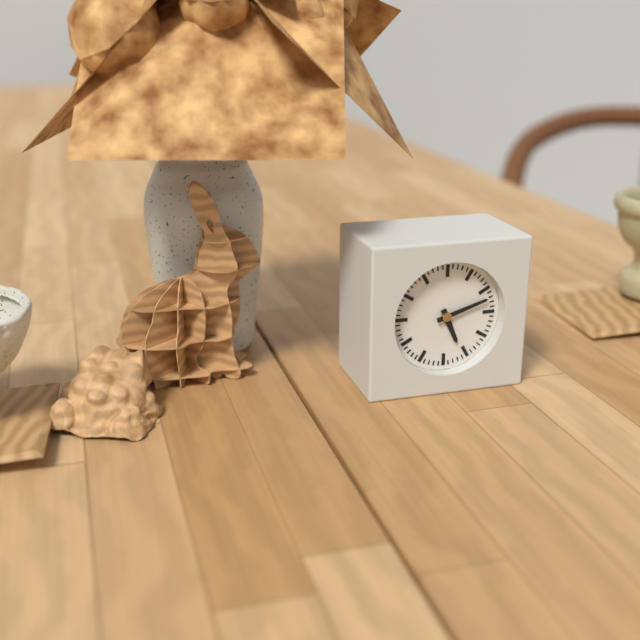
5:12
